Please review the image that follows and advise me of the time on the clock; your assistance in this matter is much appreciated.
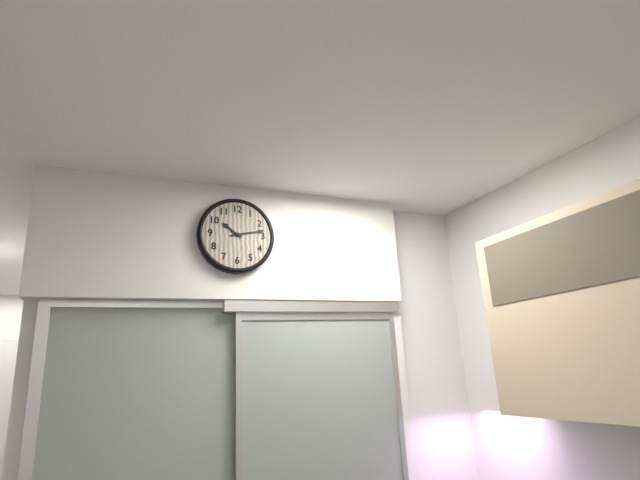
10:13
